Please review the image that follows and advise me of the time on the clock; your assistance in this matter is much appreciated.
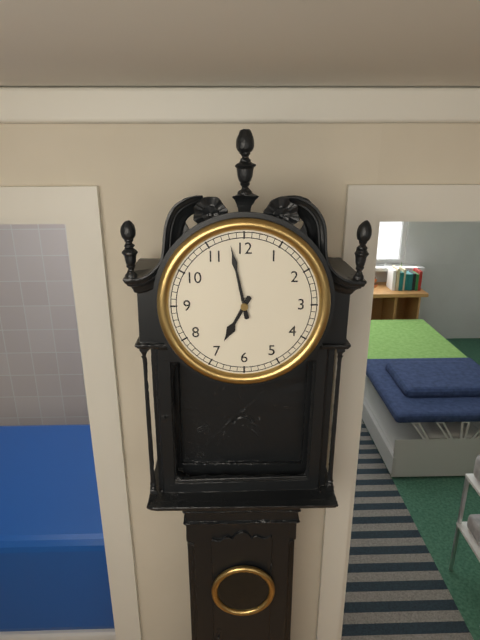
6:58
